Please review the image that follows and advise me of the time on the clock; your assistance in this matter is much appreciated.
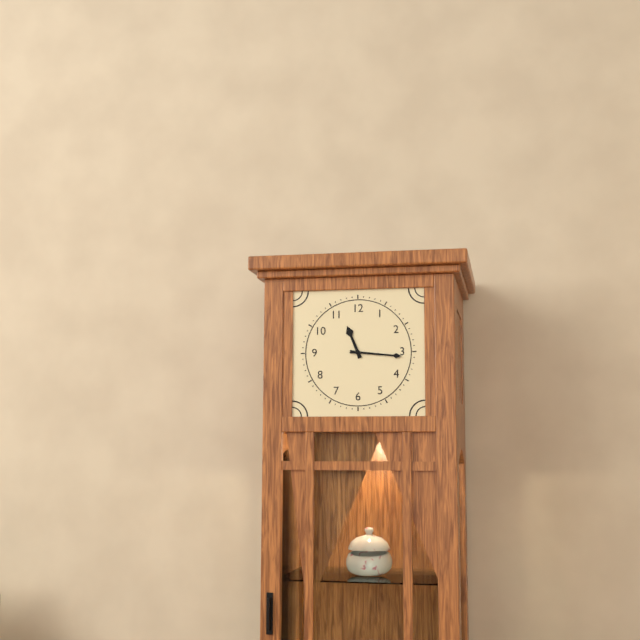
11:16
